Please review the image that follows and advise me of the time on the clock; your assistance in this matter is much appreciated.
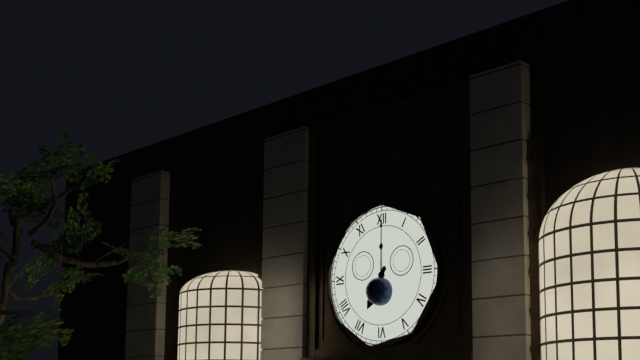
7:00
